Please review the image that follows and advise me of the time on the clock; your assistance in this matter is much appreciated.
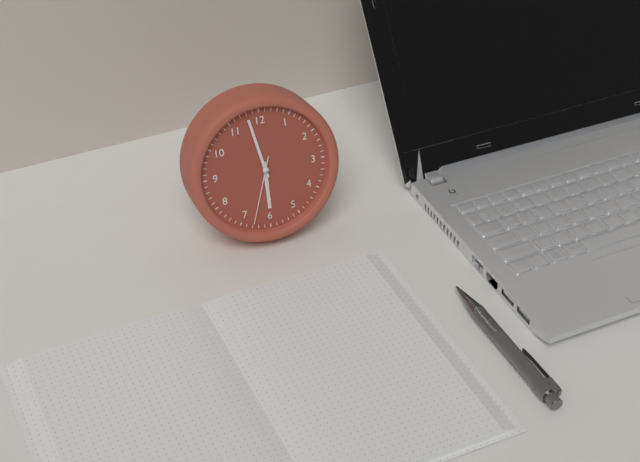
5:58:33
